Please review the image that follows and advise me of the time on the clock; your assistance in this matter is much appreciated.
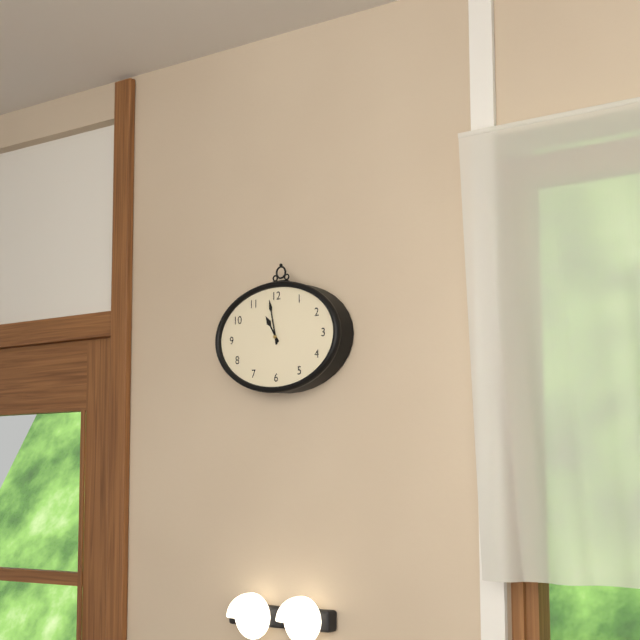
10:58
